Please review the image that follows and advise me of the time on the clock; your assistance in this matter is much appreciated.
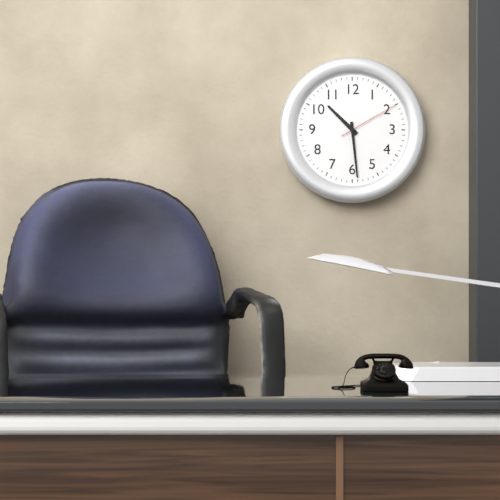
10:29:10
